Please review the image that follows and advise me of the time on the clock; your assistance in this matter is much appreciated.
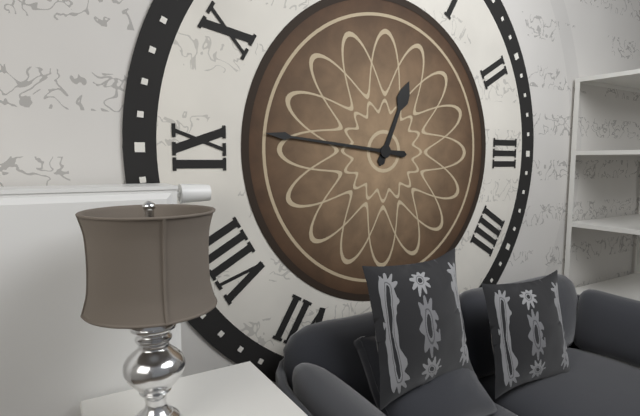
12:46
